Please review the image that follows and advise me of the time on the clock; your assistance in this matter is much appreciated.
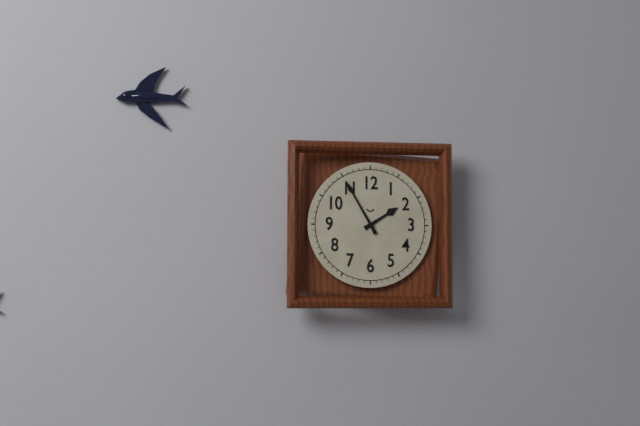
1:55
